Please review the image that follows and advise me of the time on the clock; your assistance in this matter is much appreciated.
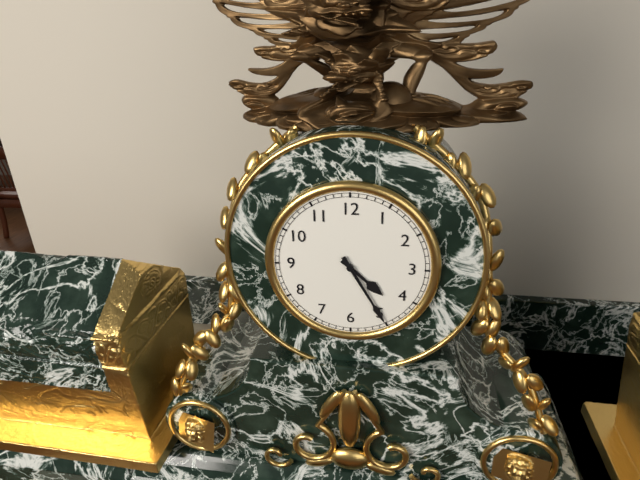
4:25
